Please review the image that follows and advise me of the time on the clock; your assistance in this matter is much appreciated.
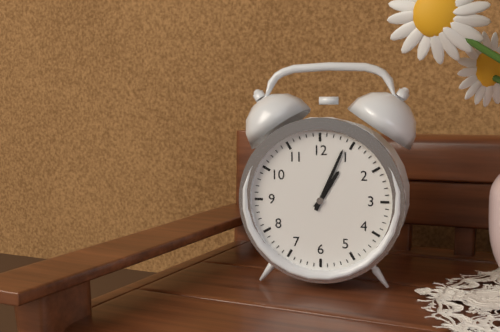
1:04
